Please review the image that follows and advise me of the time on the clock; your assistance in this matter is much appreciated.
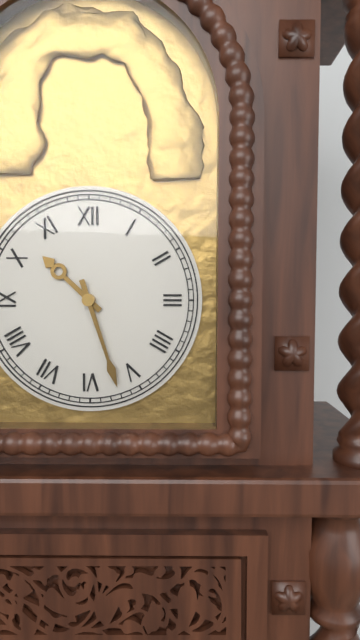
10:27
